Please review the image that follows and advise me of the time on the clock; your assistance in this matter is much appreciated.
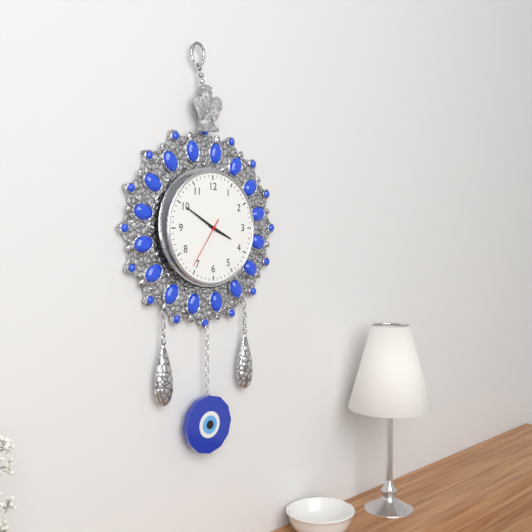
3:50:36
